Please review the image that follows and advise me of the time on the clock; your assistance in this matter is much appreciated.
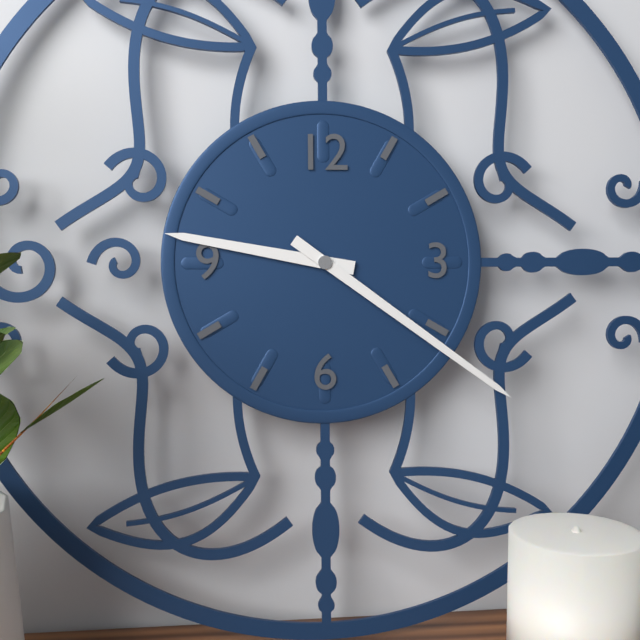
9:21
